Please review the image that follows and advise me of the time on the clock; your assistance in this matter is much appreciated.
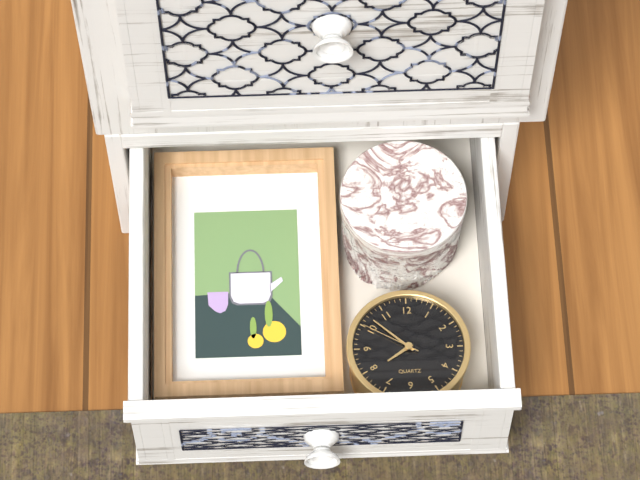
7:52:50
